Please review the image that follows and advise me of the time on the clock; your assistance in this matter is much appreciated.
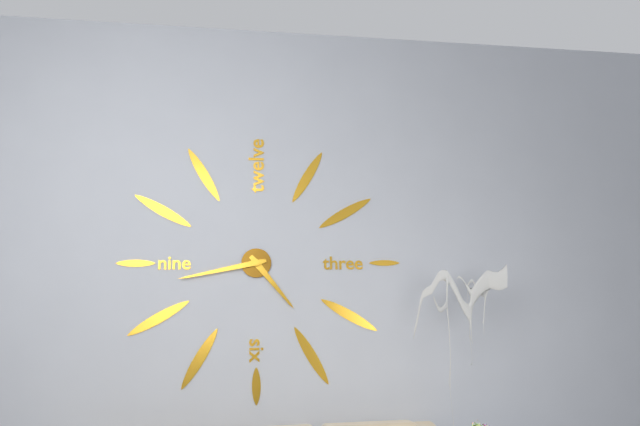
4:43
